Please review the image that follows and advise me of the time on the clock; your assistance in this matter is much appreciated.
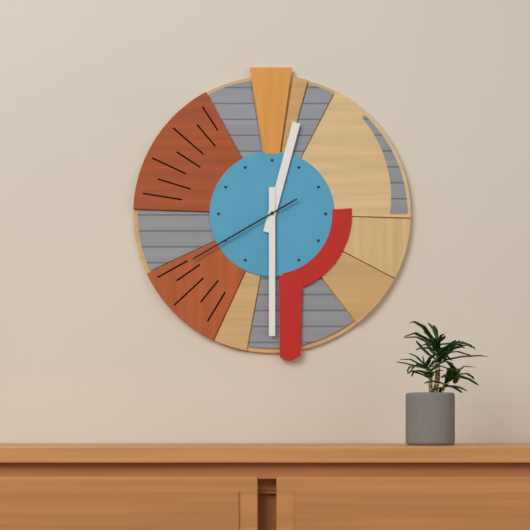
12:30:40
